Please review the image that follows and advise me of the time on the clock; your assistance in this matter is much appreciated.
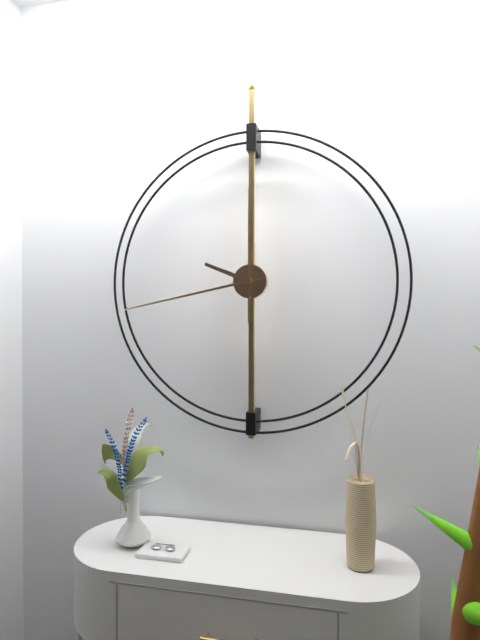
9:43:00
